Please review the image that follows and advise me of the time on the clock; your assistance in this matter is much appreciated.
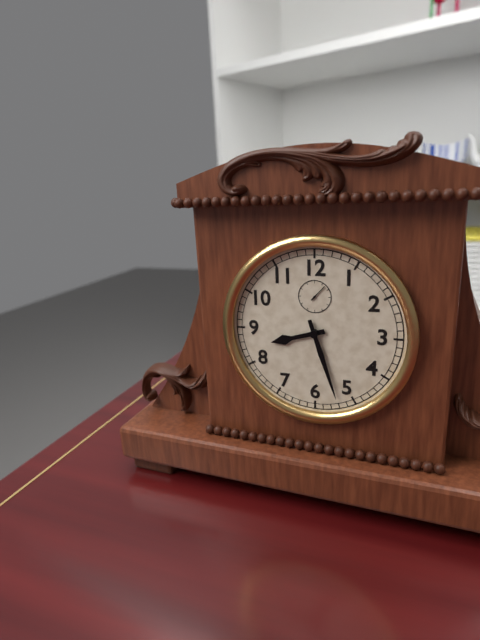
8:27
